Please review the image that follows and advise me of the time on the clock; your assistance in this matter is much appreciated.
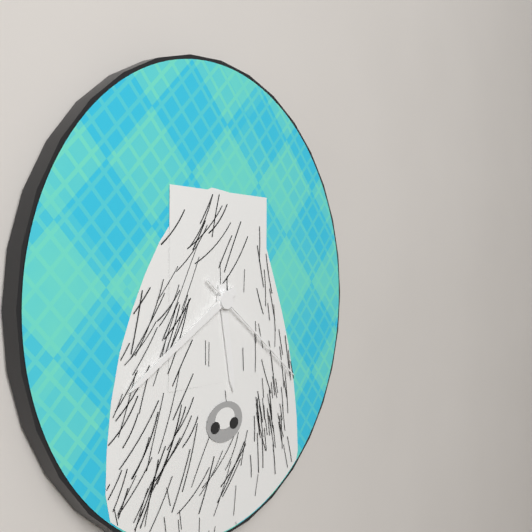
5:40:21
